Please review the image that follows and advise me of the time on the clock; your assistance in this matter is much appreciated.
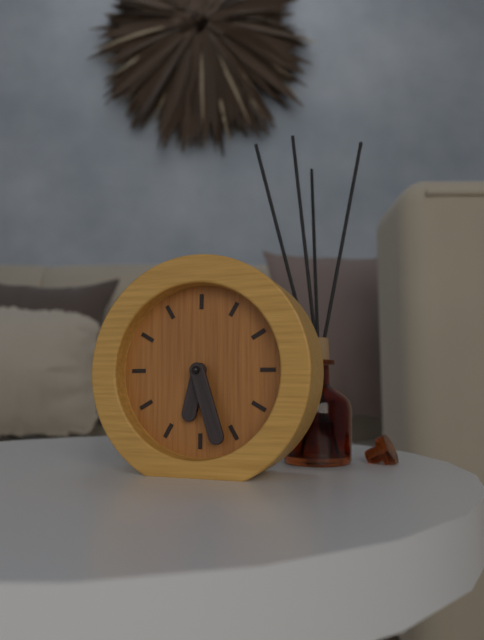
6:27
